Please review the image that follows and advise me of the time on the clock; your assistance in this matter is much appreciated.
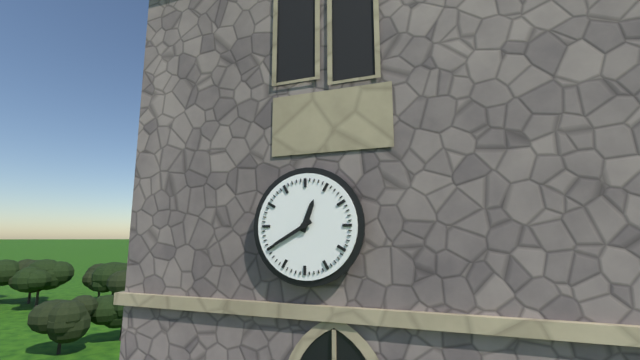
12:40
